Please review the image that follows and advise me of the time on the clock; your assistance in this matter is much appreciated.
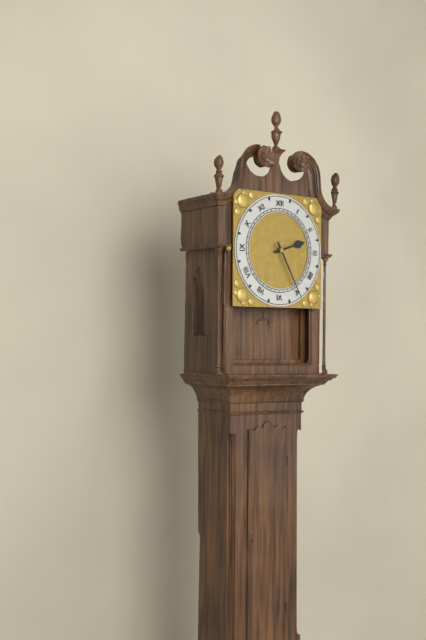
2:25
